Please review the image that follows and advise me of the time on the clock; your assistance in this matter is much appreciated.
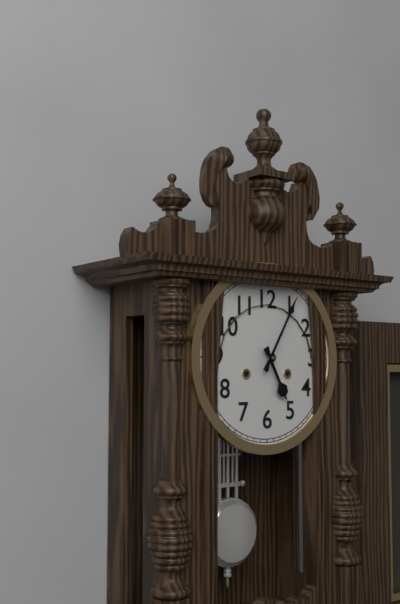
5:05
